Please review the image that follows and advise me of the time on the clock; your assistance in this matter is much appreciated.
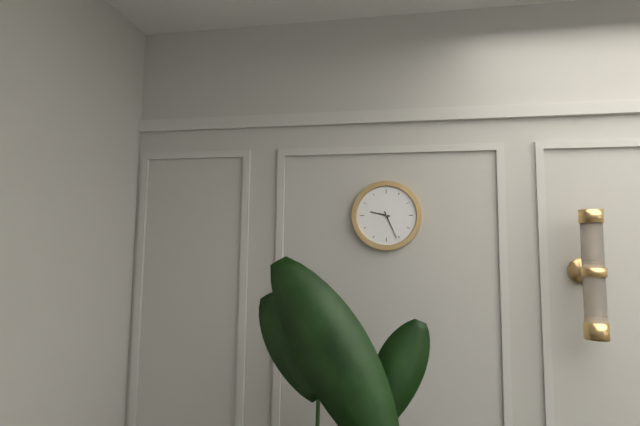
9:26
